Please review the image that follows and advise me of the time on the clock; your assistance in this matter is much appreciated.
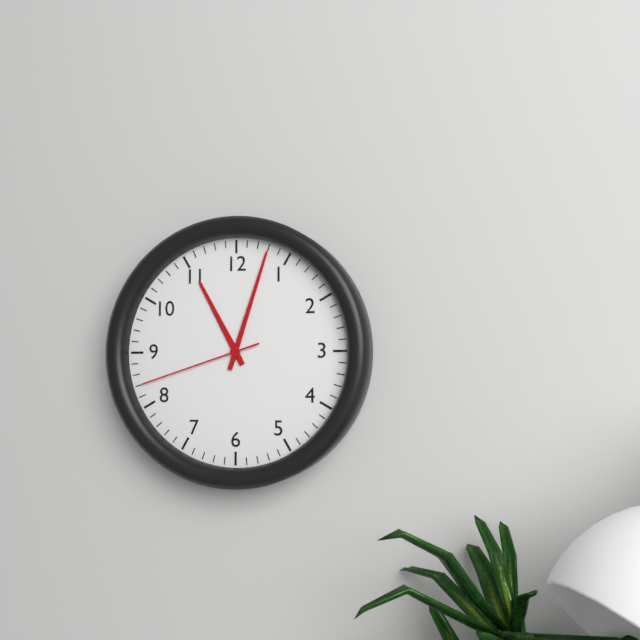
11:03:42
